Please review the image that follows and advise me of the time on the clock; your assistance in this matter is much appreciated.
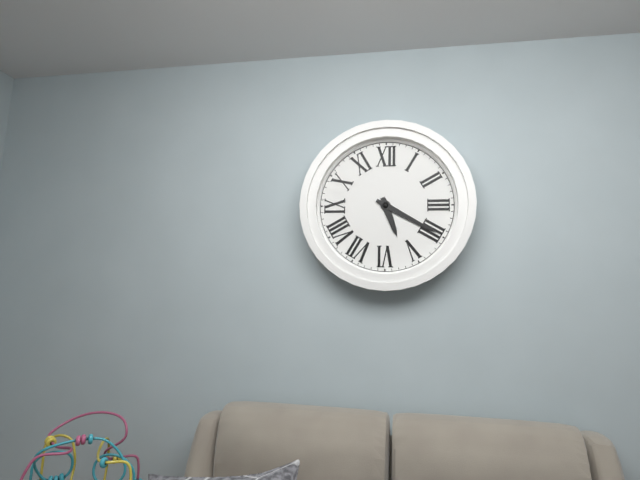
5:20
